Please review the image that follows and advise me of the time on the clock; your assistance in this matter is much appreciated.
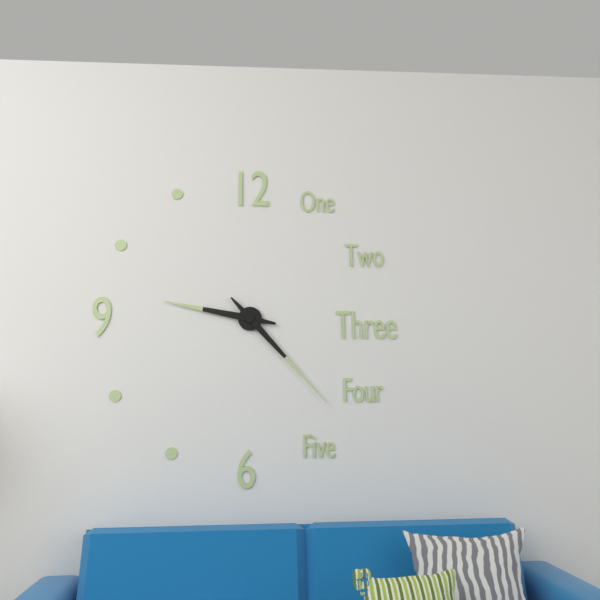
9:23
